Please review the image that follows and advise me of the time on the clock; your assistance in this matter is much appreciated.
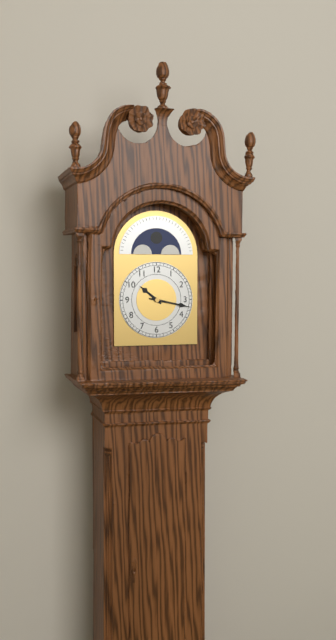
10:17
